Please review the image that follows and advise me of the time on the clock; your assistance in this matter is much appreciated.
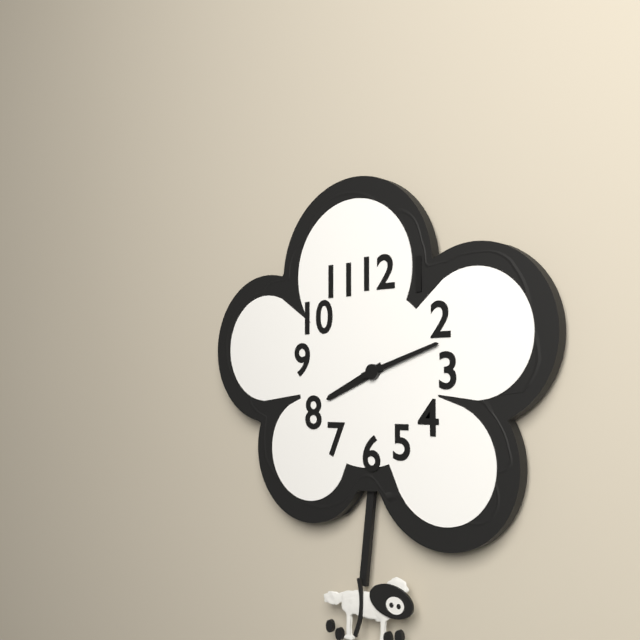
8:12
